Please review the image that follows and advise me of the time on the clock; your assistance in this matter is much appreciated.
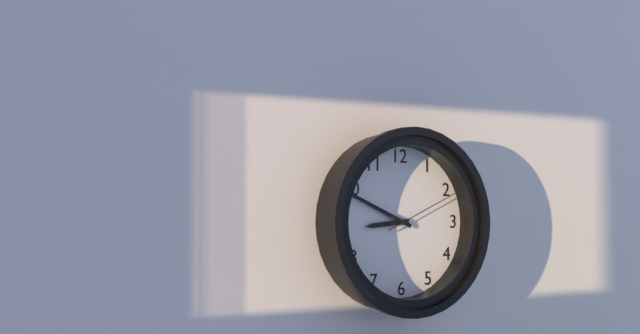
8:49:11
